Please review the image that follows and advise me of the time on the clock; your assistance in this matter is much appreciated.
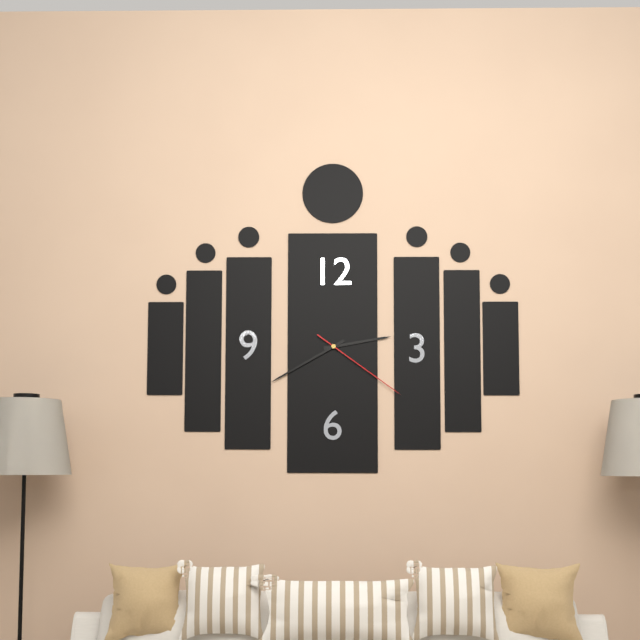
2:40:21
